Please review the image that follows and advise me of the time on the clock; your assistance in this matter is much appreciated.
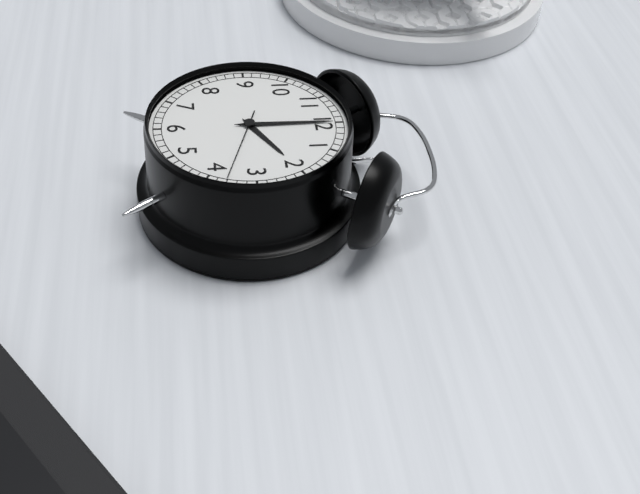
2:00
